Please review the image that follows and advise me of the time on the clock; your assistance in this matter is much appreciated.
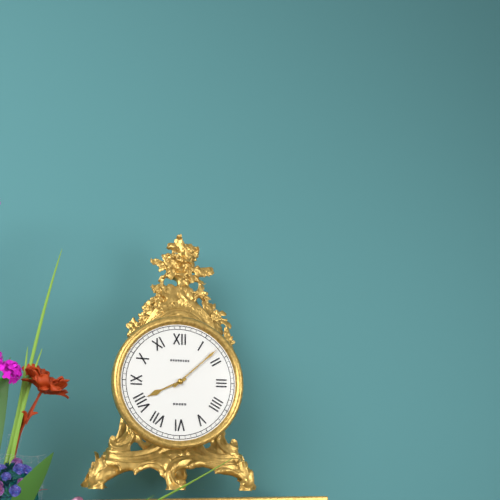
8:08
